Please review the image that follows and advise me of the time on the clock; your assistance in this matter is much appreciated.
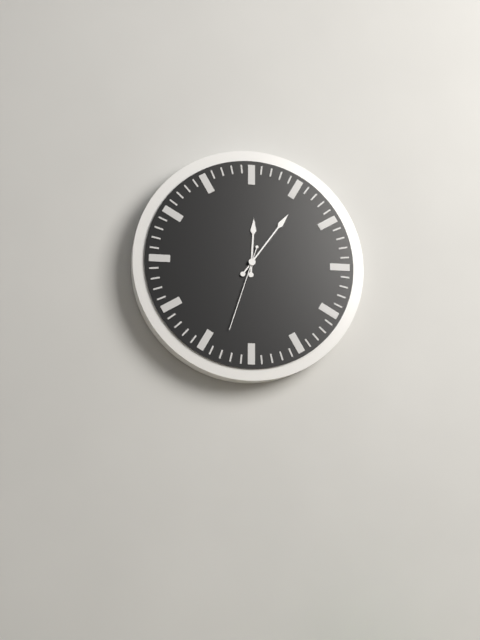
12:06:33
